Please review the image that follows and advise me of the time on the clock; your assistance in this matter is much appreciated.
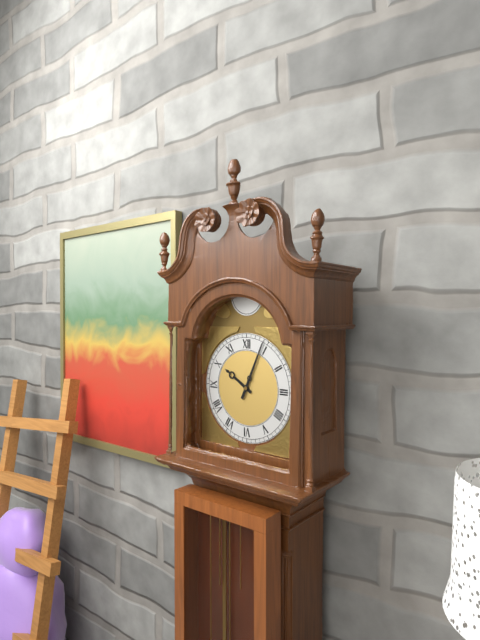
10:04
